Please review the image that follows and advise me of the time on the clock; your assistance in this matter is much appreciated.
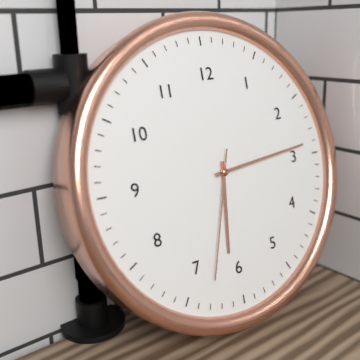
6:14:33
